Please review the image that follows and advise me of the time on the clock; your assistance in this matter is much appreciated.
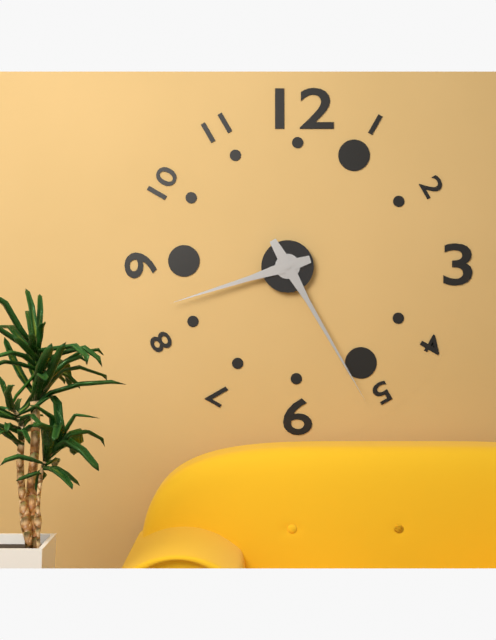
8:25
